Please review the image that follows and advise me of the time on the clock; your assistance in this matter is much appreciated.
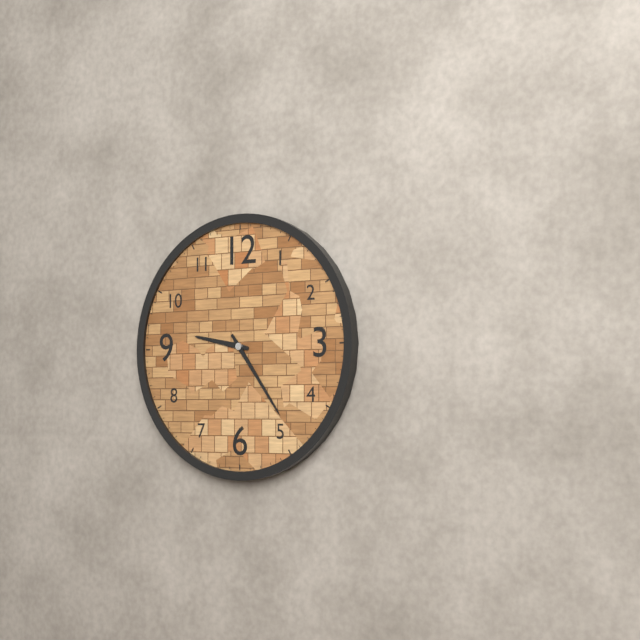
9:24
